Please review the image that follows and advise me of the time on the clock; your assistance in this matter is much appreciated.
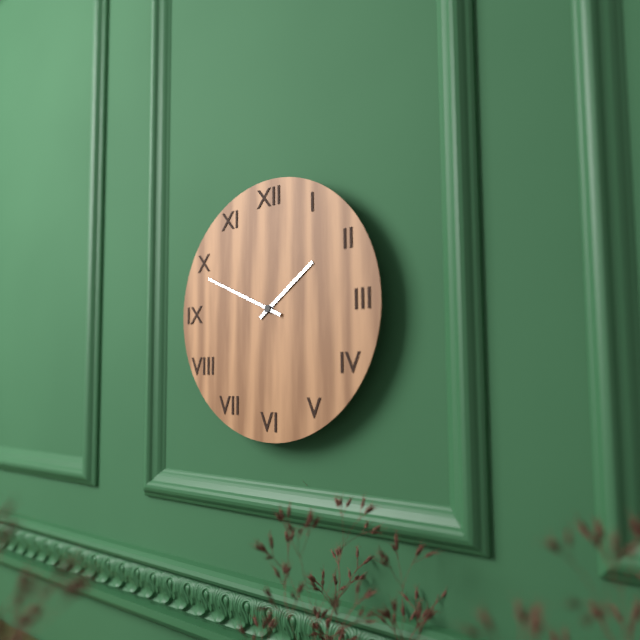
1:49
